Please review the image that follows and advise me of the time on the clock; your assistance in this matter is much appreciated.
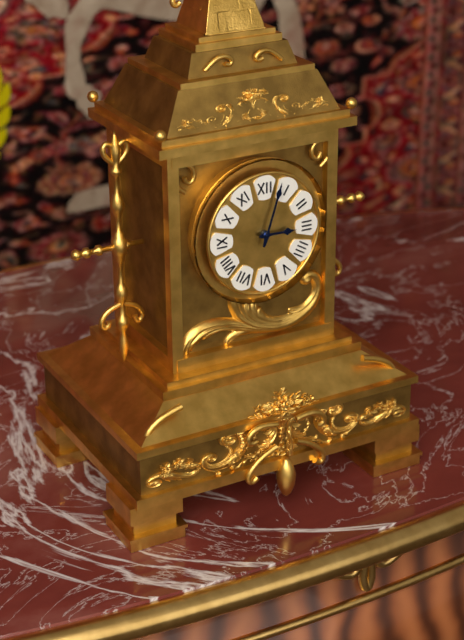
3:03
